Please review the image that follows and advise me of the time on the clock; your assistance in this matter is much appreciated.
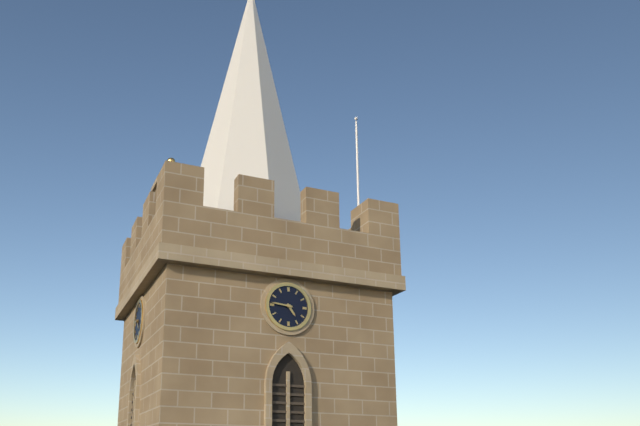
4:46
